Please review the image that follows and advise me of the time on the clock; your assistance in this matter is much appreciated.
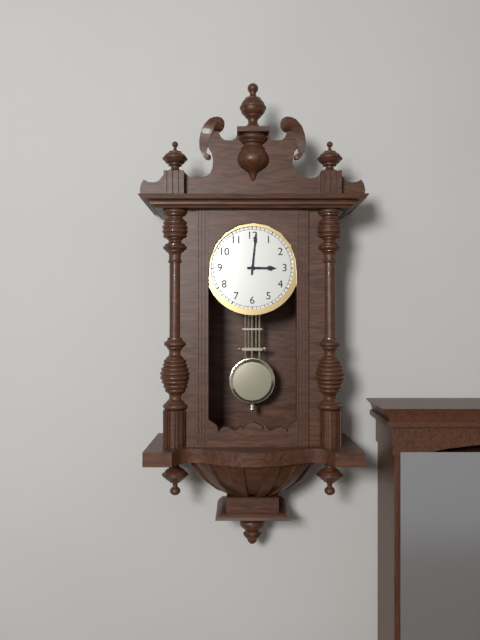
3:01
